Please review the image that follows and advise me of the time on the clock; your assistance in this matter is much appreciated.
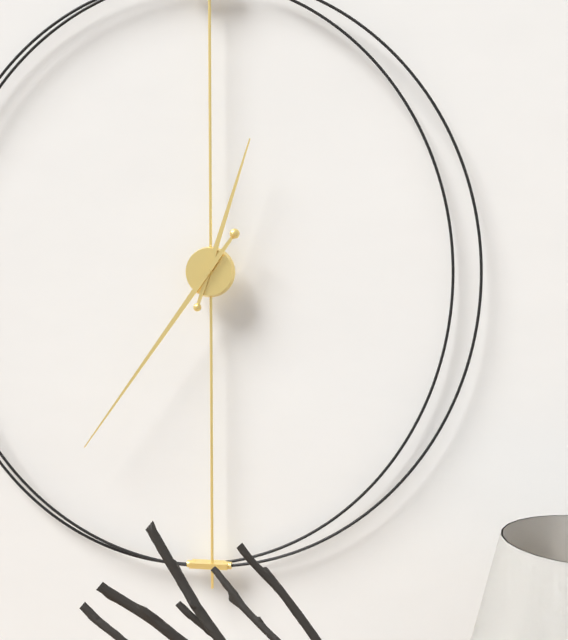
12:36
